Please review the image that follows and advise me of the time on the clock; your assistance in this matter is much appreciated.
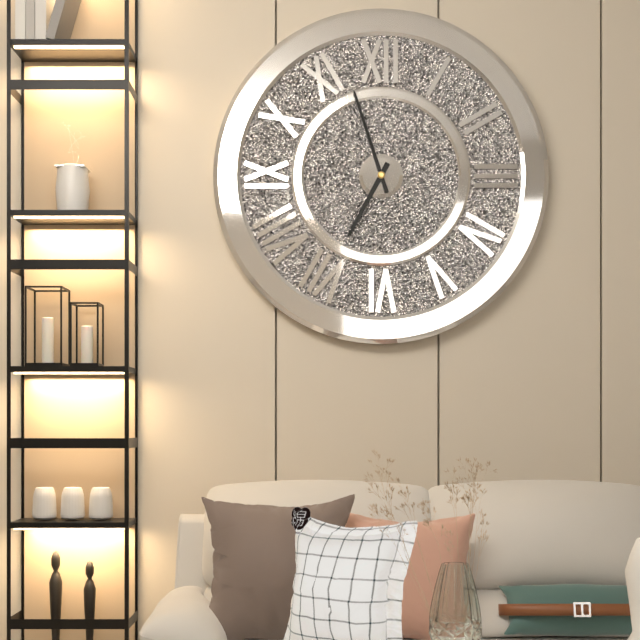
6:57
